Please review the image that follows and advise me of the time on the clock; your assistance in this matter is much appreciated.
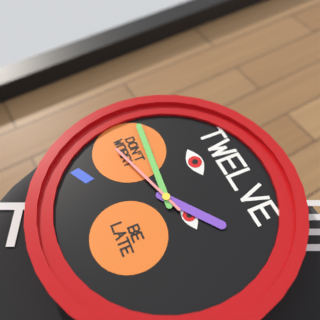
1:46:42
